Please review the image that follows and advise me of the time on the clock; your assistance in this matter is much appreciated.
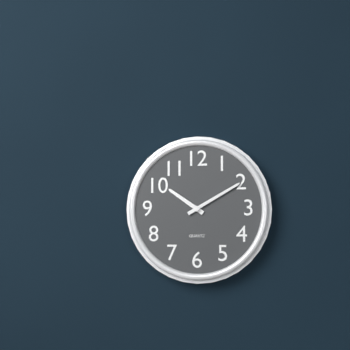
10:10
